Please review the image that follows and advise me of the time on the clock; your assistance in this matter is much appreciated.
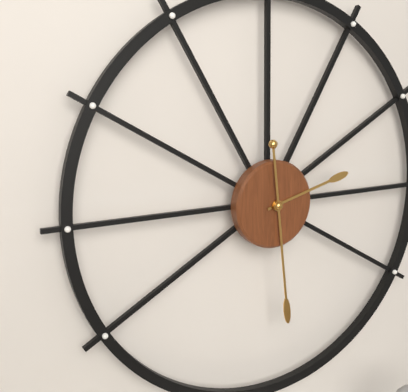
2:29
